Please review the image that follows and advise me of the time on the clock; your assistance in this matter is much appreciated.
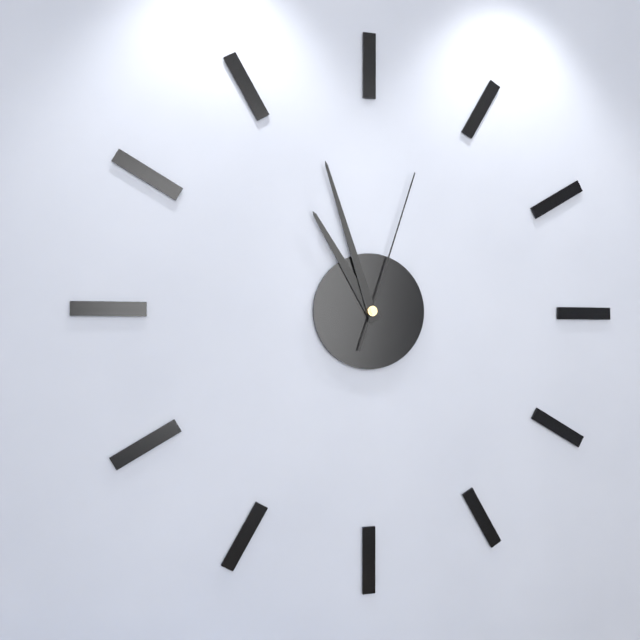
10:57:03
